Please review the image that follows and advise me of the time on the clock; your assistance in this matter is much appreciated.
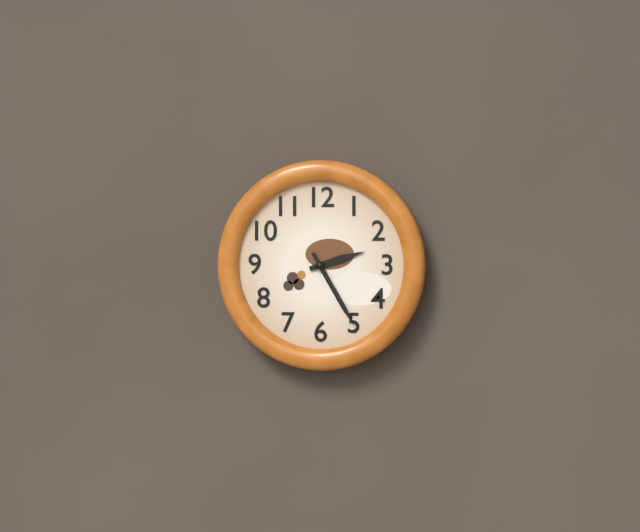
2:25
